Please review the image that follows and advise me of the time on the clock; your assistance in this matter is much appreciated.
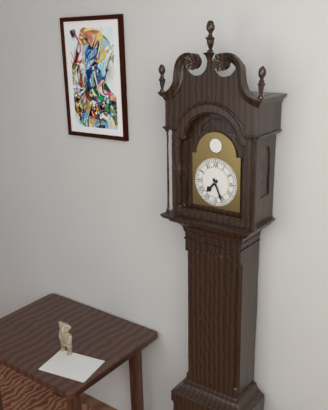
7:26
